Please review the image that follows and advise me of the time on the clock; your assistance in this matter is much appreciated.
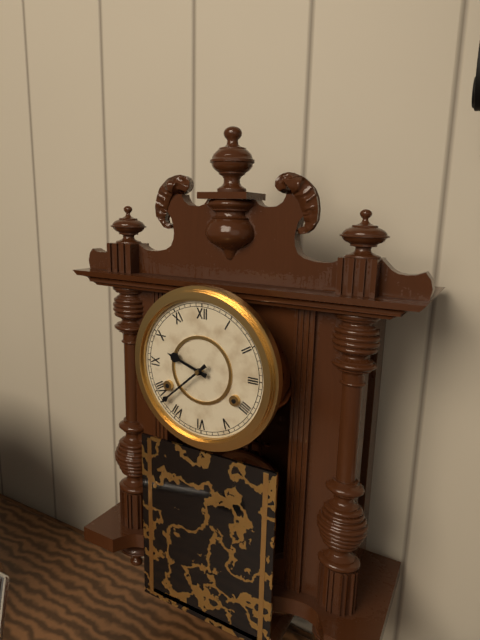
9:38
